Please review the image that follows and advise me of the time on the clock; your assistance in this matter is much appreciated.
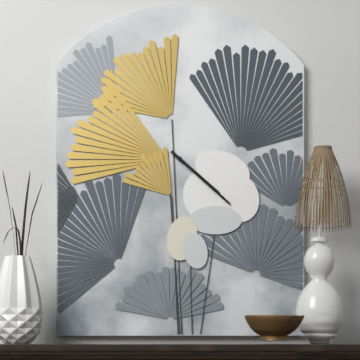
4:22
